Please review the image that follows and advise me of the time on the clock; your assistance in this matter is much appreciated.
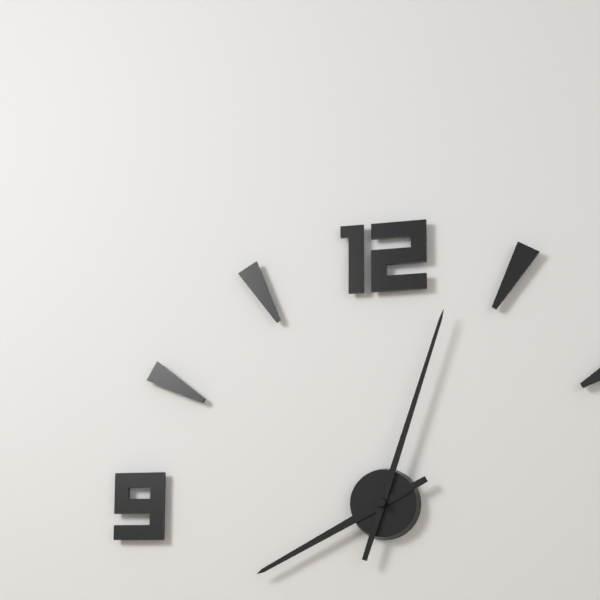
8:03
